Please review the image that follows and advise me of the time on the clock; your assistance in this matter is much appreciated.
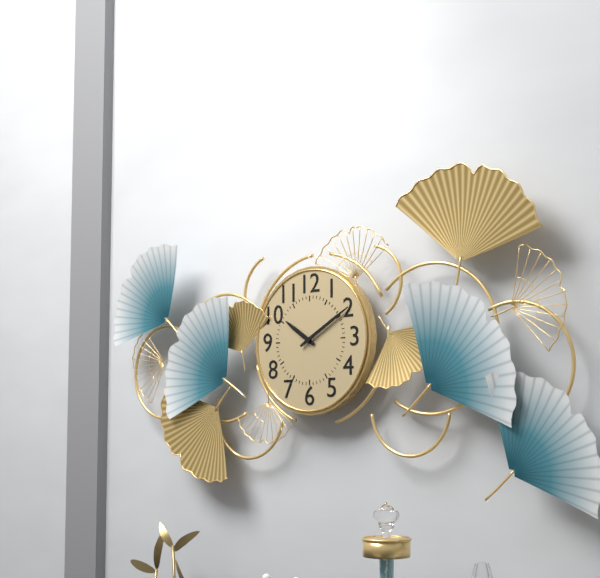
10:10
